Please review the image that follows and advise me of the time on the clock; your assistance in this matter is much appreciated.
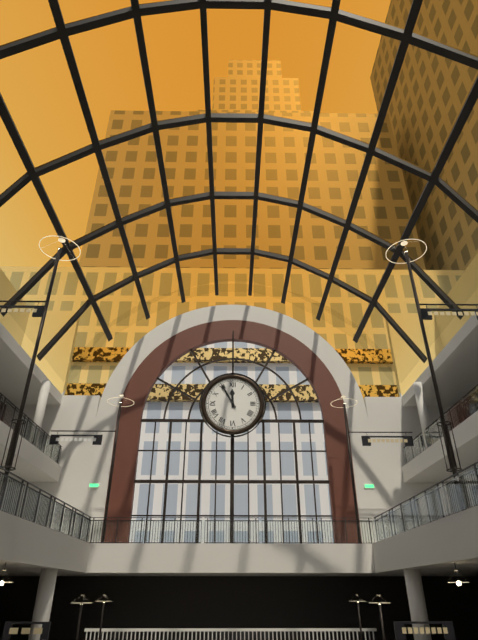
11:55
